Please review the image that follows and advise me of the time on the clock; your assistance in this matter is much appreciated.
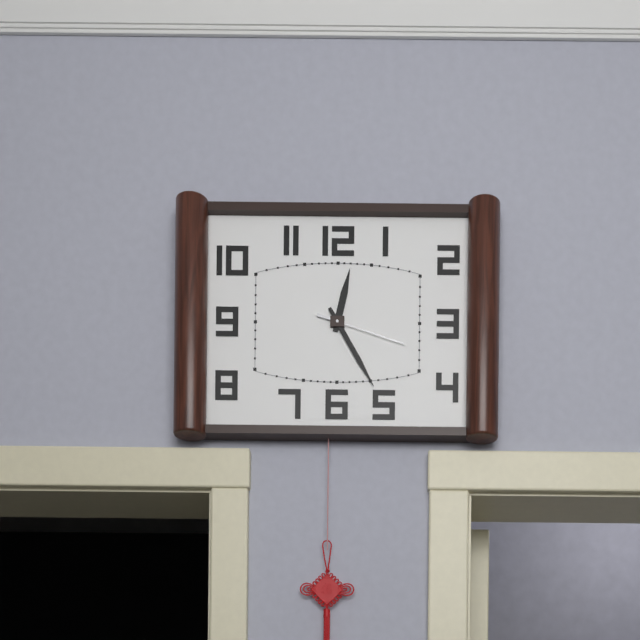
12:25:18
